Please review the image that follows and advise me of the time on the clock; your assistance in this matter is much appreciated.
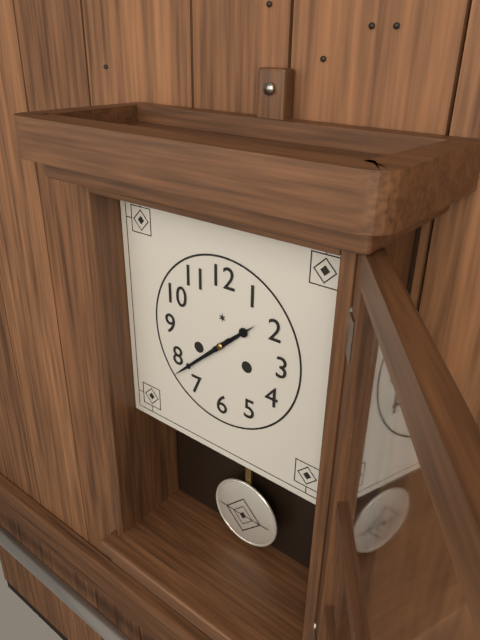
1:38
